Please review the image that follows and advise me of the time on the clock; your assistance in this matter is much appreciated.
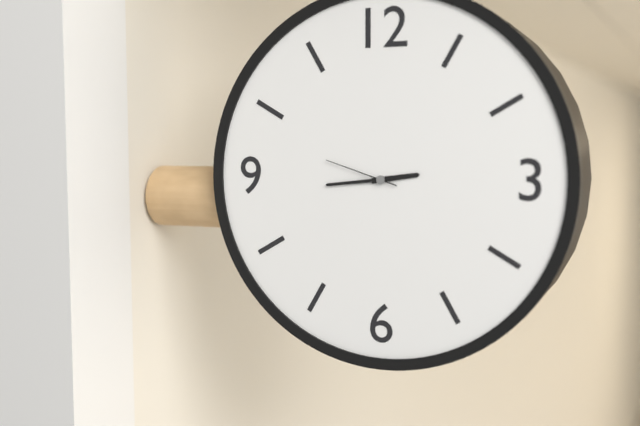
2:44:48
